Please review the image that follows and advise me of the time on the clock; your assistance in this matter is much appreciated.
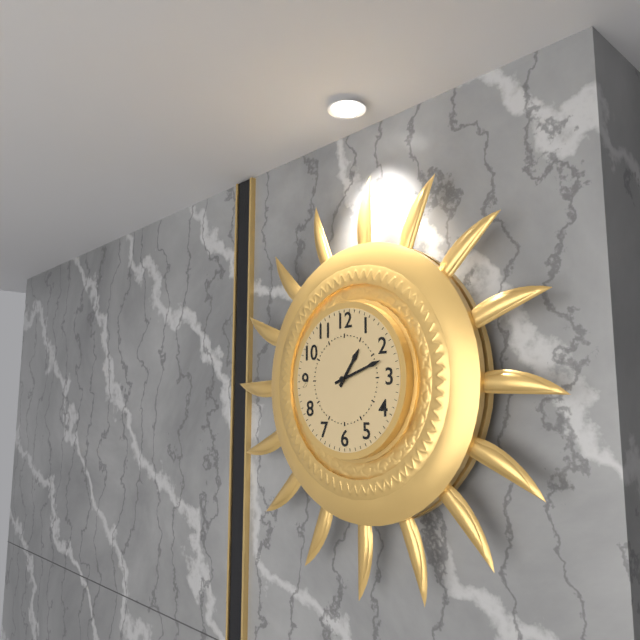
1:12
